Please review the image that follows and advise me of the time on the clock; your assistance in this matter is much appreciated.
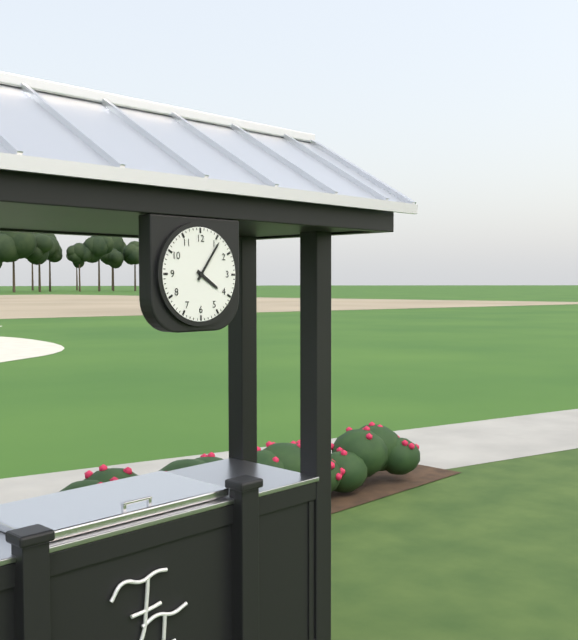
4:06
